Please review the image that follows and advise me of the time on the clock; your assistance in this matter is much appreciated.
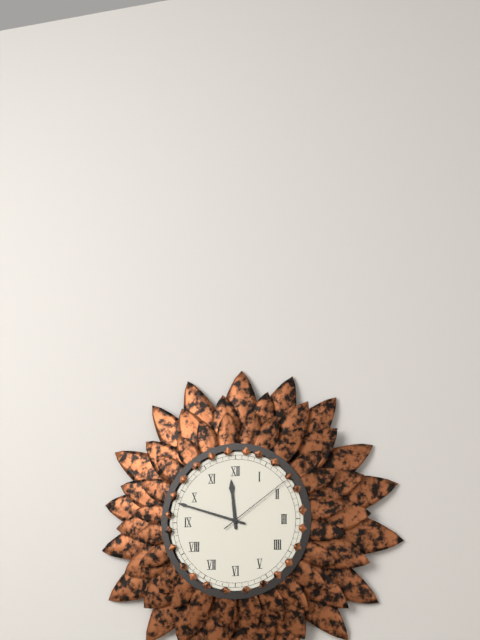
11:48:09
